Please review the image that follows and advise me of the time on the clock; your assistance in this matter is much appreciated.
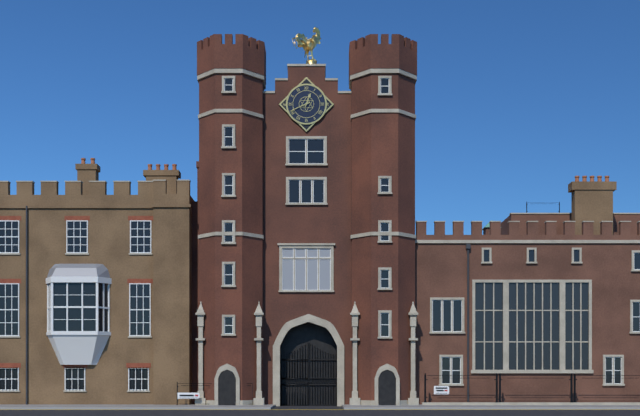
12:41
